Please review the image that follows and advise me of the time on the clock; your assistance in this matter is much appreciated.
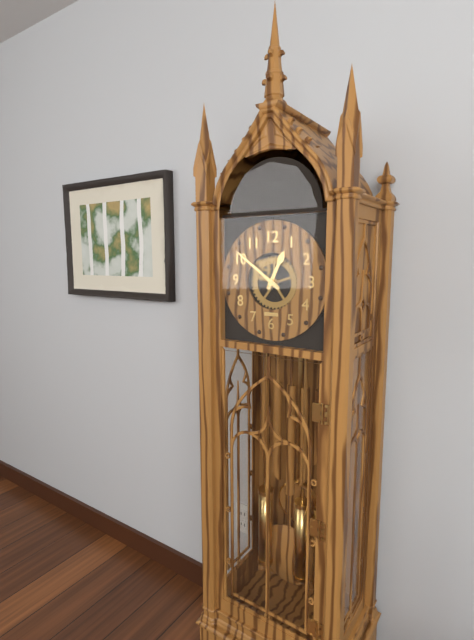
12:51
